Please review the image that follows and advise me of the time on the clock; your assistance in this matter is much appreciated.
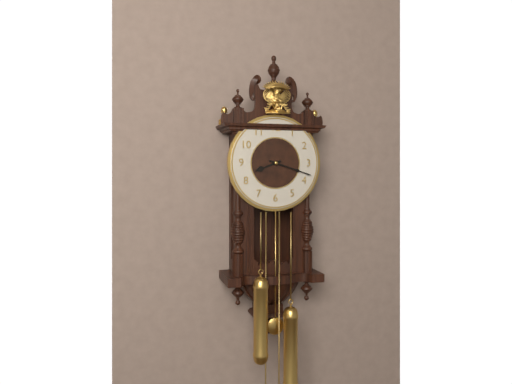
8:18
